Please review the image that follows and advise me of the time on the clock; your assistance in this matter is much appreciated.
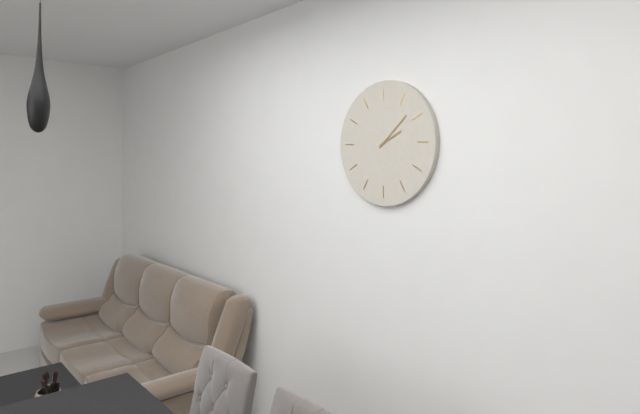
2:08
